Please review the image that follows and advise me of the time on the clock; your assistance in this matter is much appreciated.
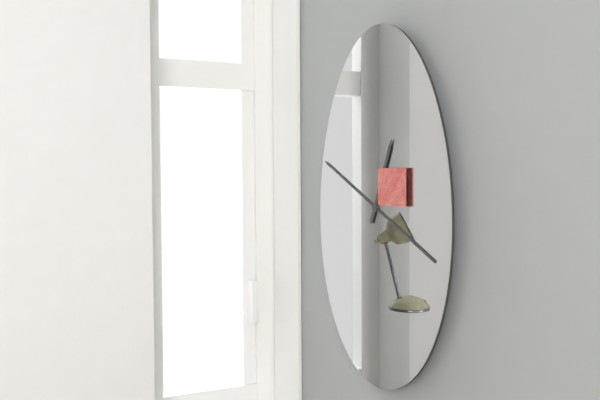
12:49
